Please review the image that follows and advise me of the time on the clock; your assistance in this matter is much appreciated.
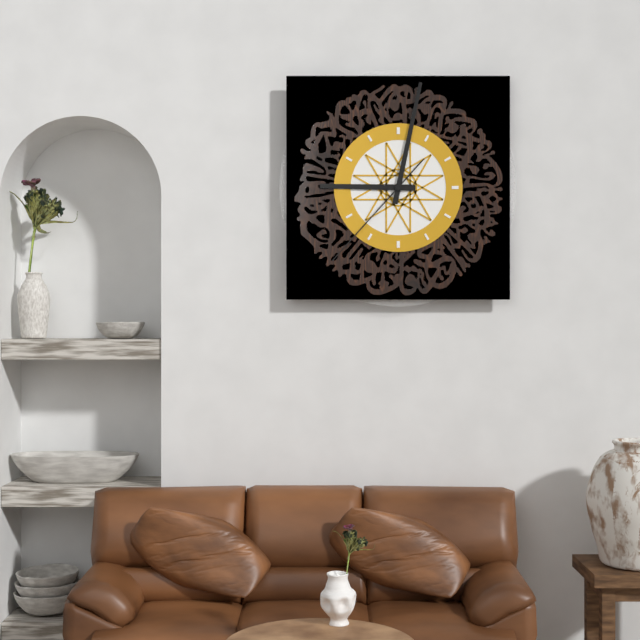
9:02:37
